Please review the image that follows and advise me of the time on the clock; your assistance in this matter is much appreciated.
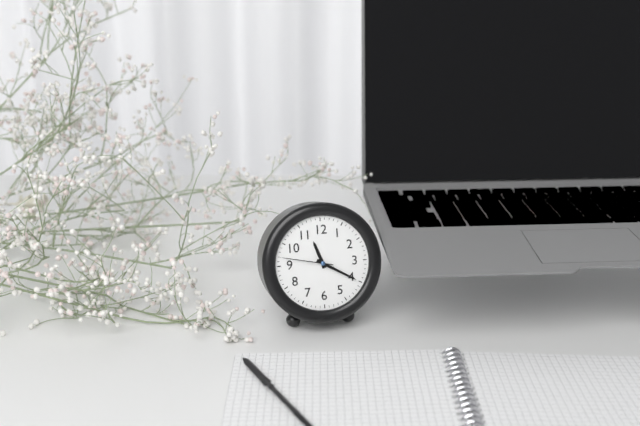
11:20:47
